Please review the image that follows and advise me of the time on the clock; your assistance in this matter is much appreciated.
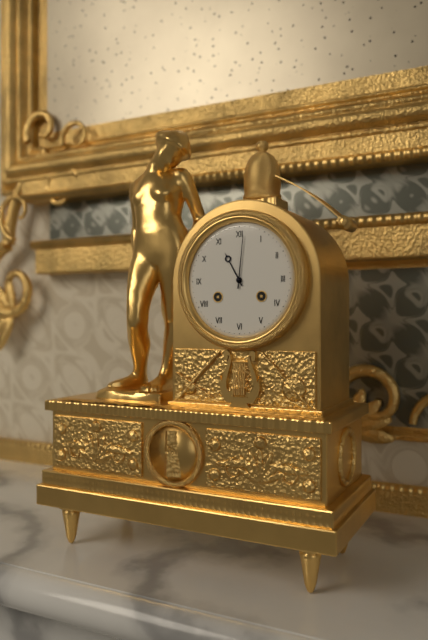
11:01
